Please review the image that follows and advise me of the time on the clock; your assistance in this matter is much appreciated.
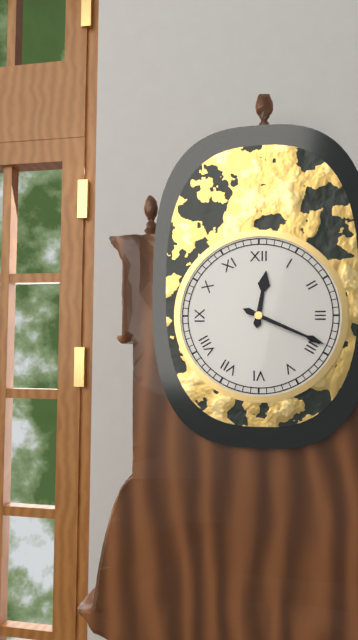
12:19
